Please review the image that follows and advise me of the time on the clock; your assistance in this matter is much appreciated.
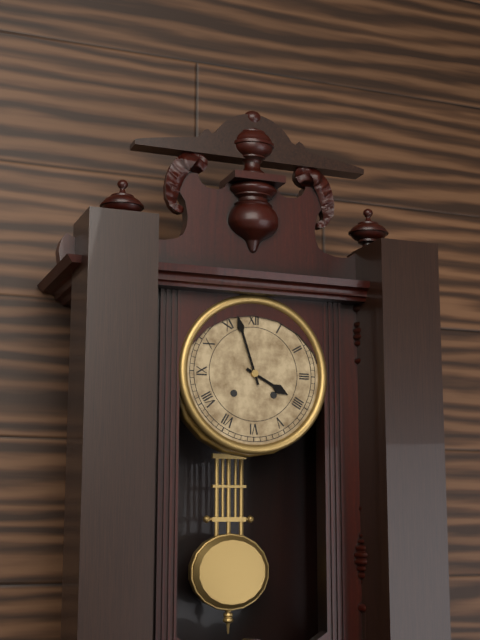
3:57
